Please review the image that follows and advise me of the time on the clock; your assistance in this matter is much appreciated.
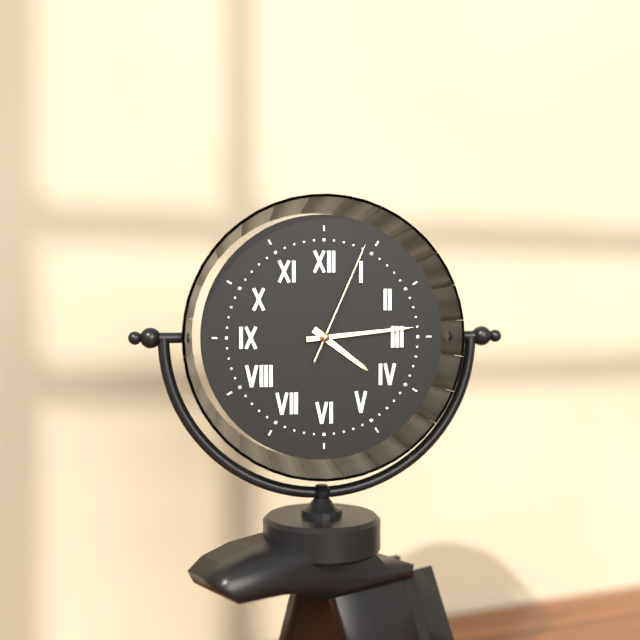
4:14:04
